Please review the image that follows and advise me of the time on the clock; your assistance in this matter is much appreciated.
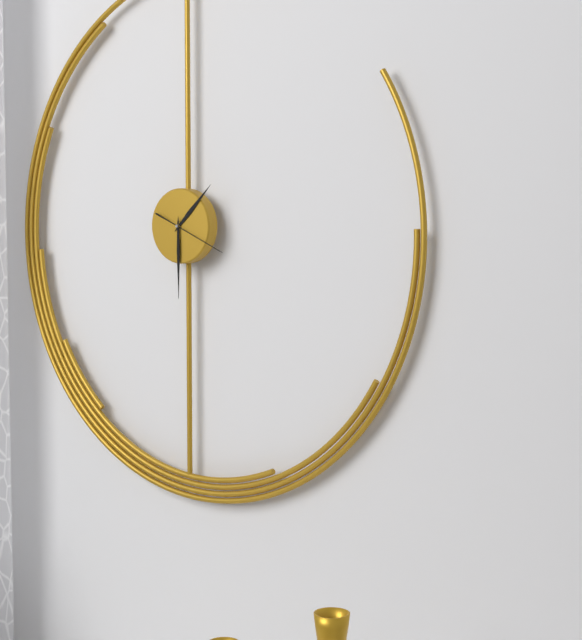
1:30:19
